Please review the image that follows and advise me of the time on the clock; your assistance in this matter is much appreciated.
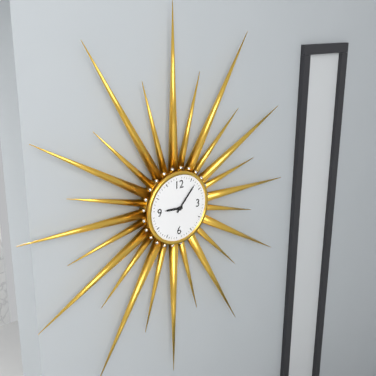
9:07
